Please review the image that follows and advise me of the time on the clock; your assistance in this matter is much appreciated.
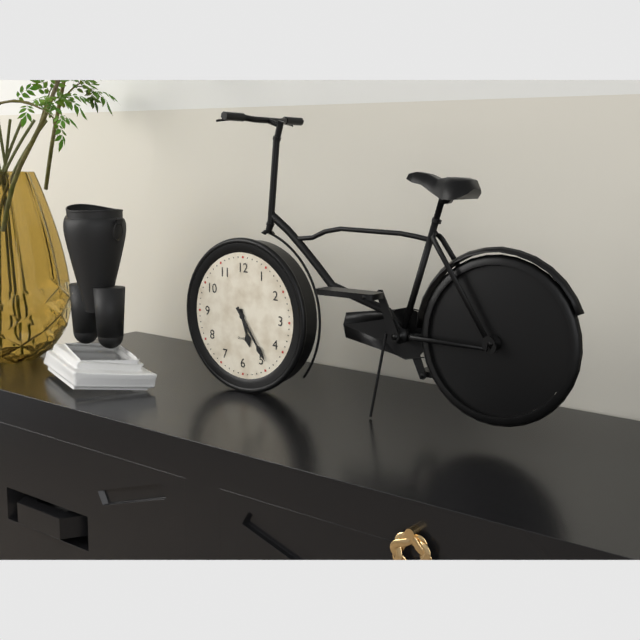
5:24
